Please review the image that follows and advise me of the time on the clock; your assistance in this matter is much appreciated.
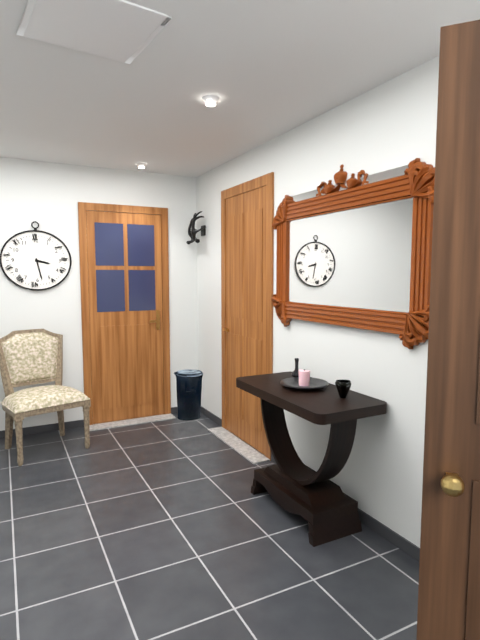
3:28
